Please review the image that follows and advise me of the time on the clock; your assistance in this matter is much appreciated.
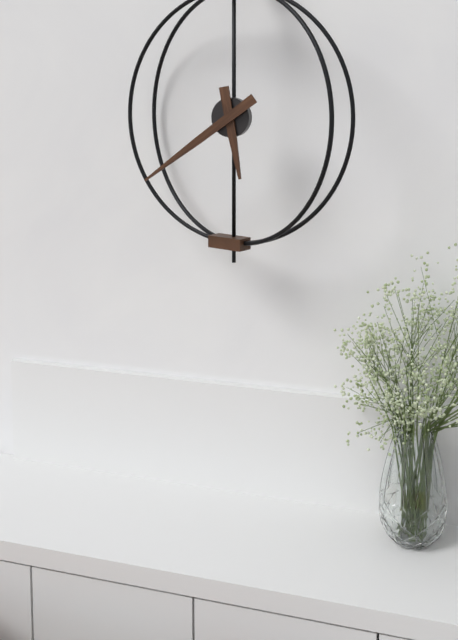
5:39
